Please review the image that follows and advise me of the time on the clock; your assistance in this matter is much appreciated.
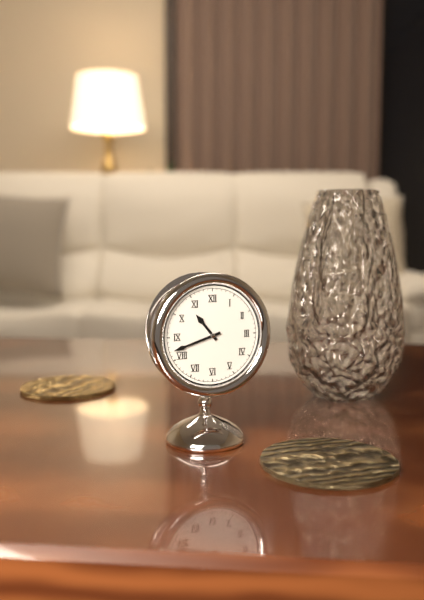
10:42
